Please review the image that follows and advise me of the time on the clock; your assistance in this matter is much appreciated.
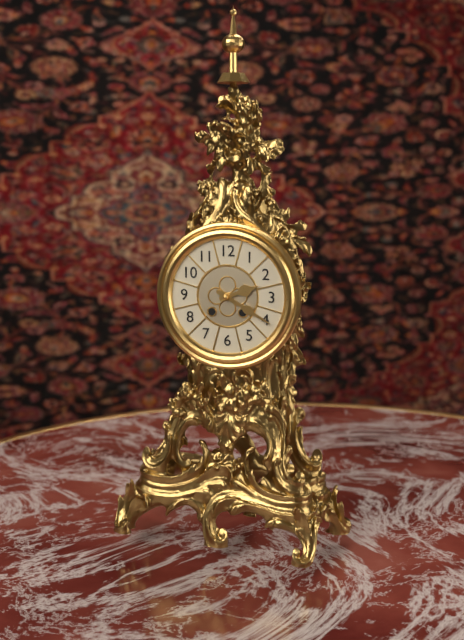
2:20
